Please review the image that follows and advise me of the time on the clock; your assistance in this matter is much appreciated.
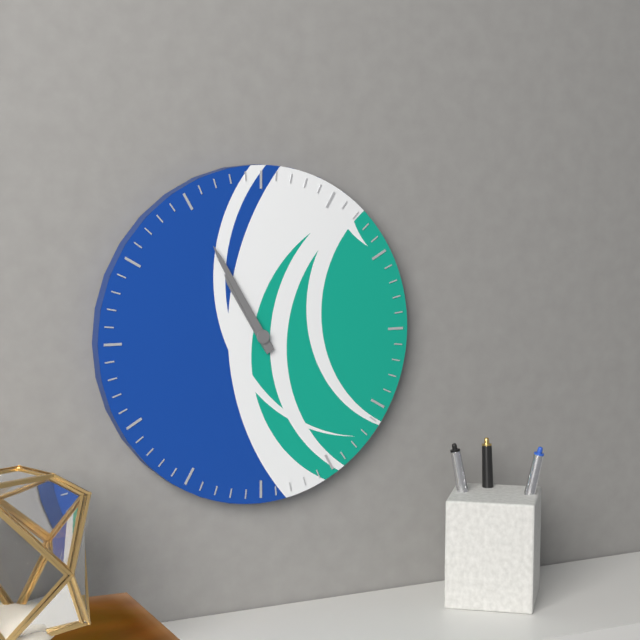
10:55
